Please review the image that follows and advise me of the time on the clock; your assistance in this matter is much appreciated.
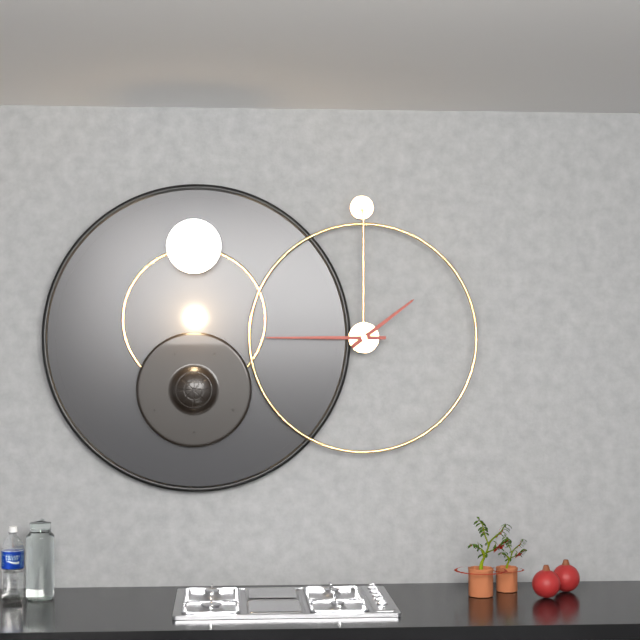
1:45
